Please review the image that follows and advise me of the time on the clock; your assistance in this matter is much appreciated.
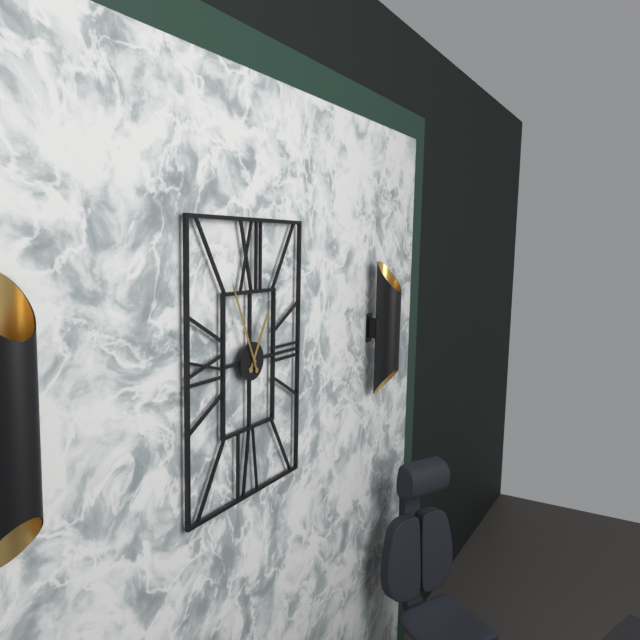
12:56
